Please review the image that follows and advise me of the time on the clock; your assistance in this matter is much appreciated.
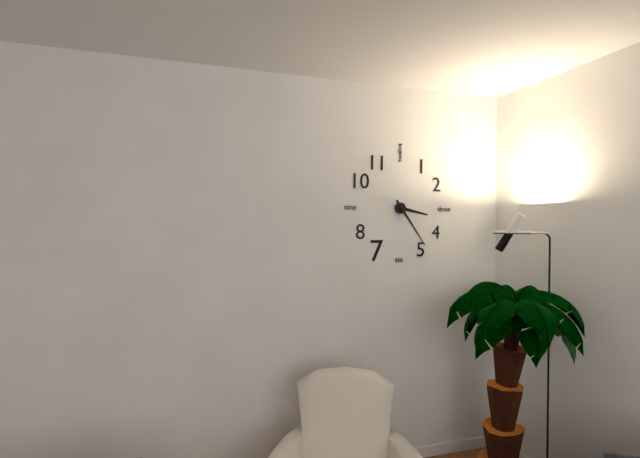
3:24
